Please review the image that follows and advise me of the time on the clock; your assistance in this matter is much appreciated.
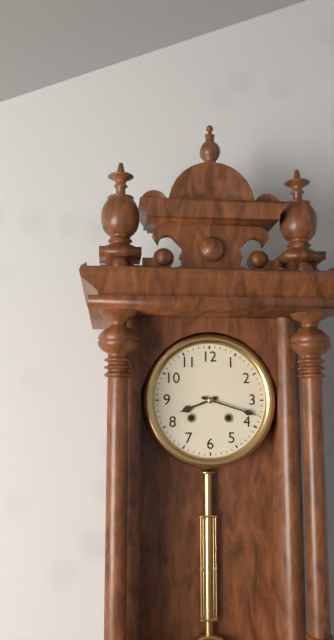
8:18
